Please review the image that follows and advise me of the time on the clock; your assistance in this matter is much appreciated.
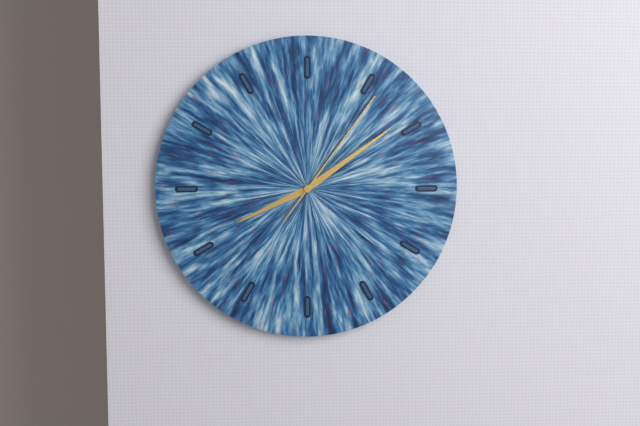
8:09:06
